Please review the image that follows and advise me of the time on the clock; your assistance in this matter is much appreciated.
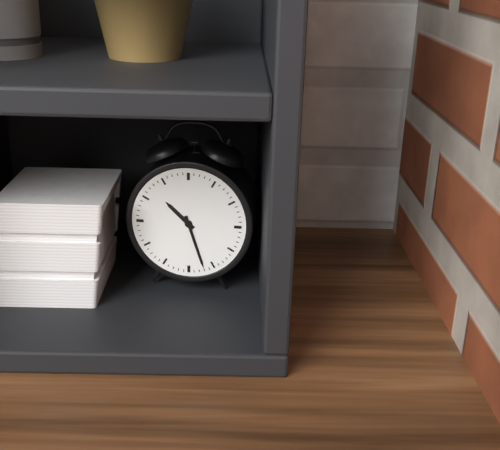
10:27
